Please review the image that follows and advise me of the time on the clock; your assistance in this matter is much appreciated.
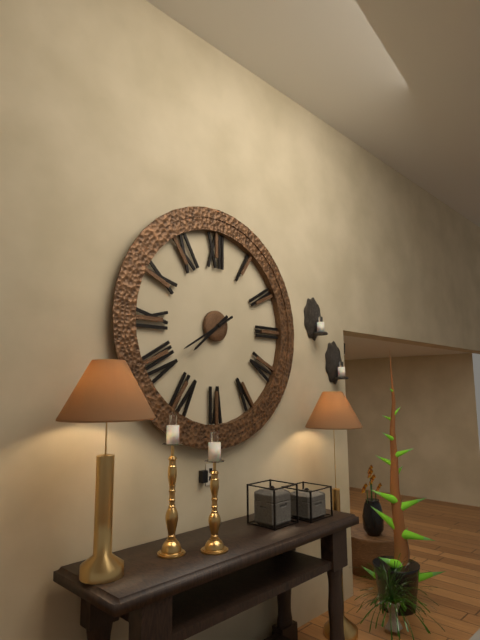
7:40
